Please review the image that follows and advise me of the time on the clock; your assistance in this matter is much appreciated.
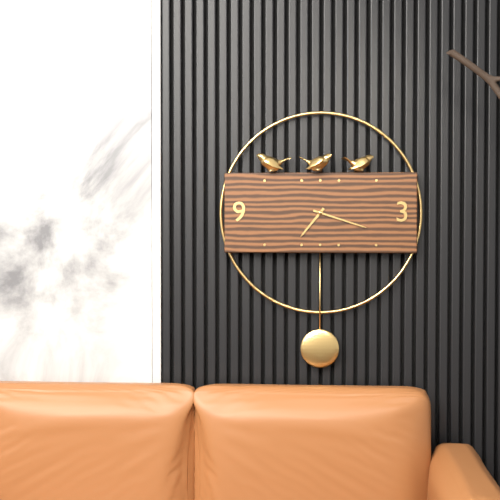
7:18
